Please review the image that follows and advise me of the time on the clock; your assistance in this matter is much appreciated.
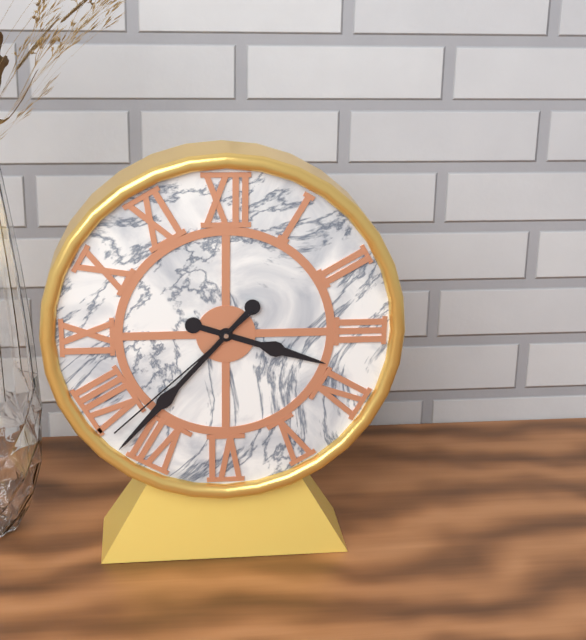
3:37:38
